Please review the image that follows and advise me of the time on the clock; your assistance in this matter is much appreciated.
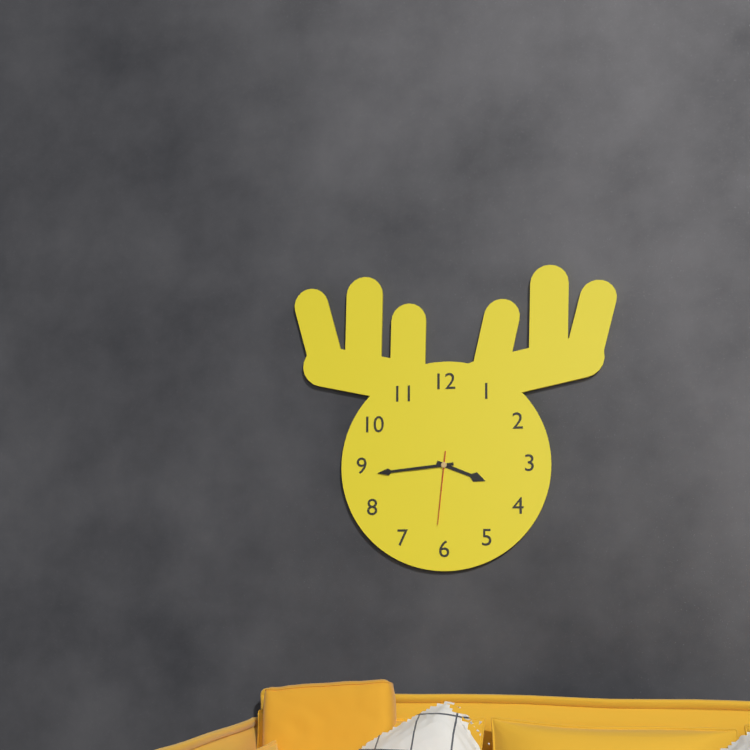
3:44:31
